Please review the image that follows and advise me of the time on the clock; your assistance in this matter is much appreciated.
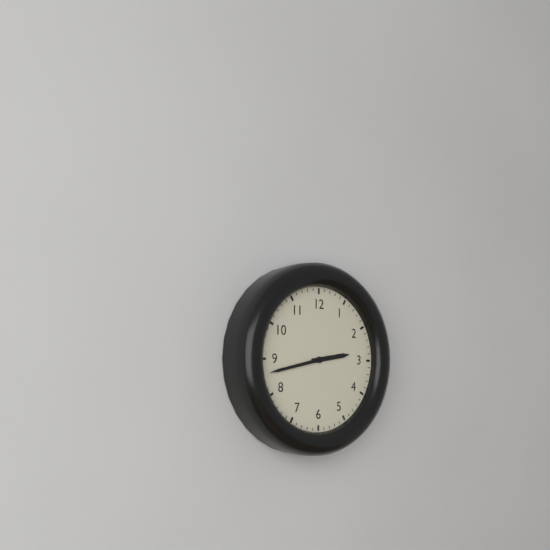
2:43
